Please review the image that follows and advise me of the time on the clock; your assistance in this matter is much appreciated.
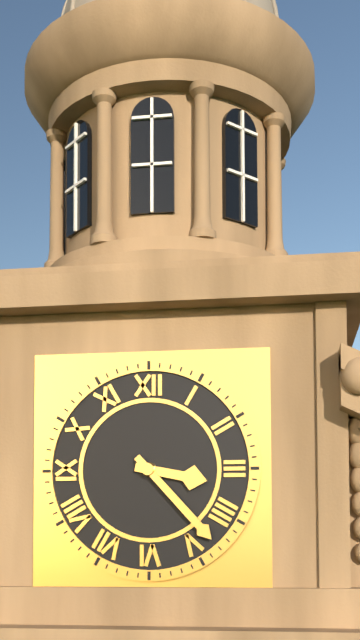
3:23
